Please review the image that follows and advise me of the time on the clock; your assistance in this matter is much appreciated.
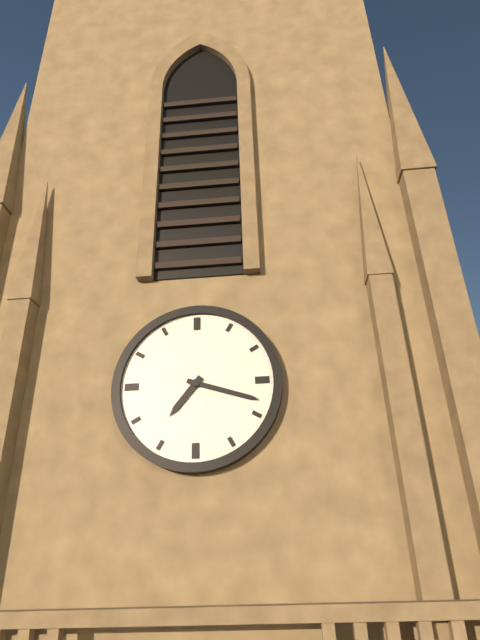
7:18
